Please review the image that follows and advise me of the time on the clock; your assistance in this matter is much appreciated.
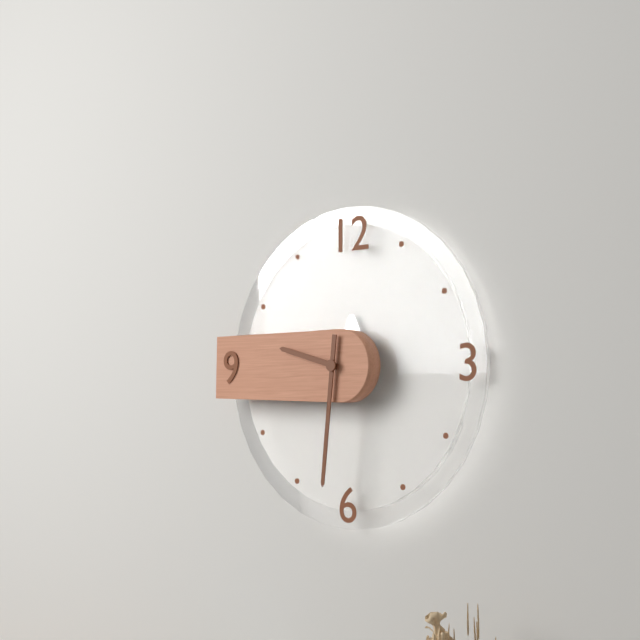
9:31
